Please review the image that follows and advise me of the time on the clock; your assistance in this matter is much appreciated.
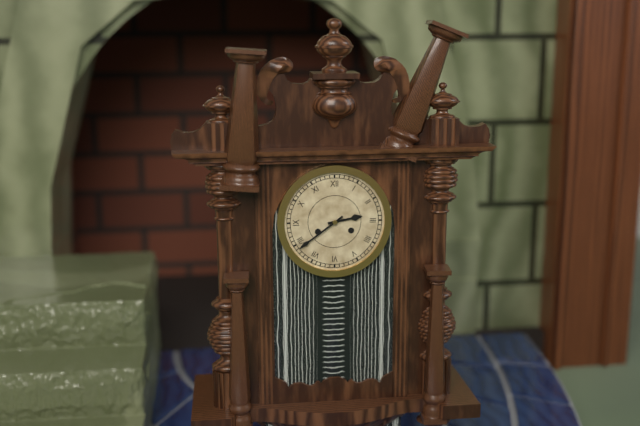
2:39
